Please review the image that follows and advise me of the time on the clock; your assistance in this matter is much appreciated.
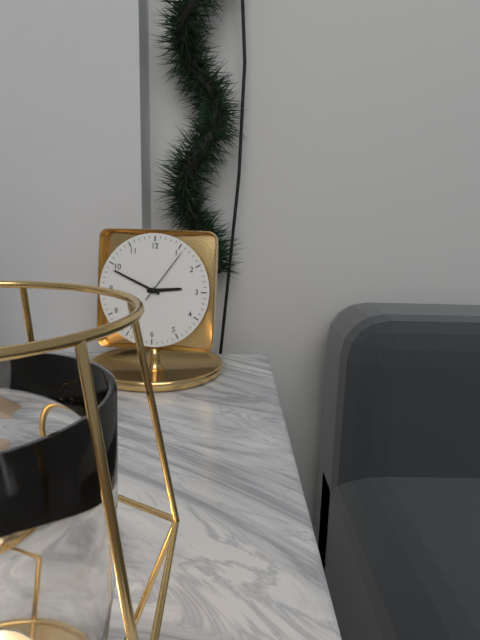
2:49:06
